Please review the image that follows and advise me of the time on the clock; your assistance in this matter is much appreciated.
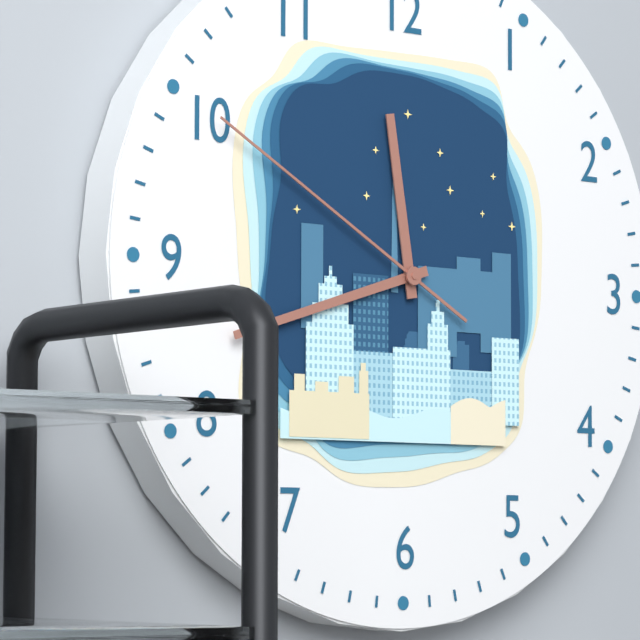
11:42:50
